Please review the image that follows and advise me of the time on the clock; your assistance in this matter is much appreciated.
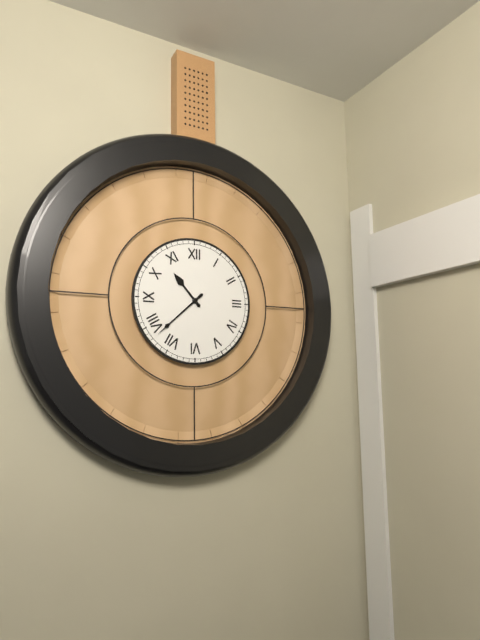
10:38
